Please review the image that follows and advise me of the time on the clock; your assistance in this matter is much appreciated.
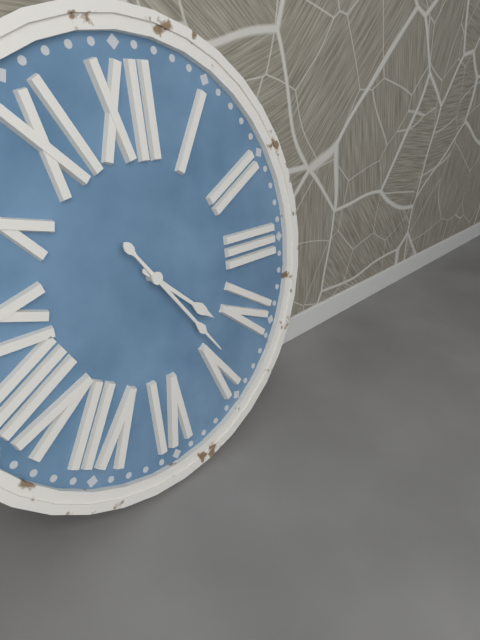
4:24
